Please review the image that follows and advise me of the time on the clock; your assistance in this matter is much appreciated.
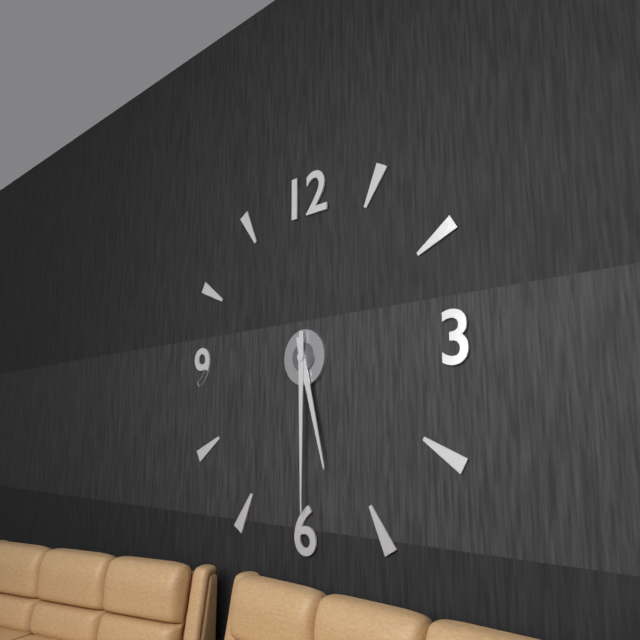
5:30
